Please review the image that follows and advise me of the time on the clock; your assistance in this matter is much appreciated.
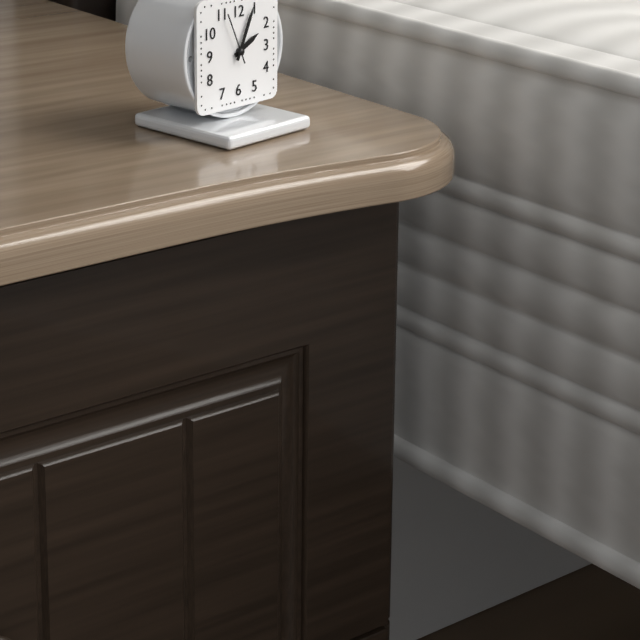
2:04
